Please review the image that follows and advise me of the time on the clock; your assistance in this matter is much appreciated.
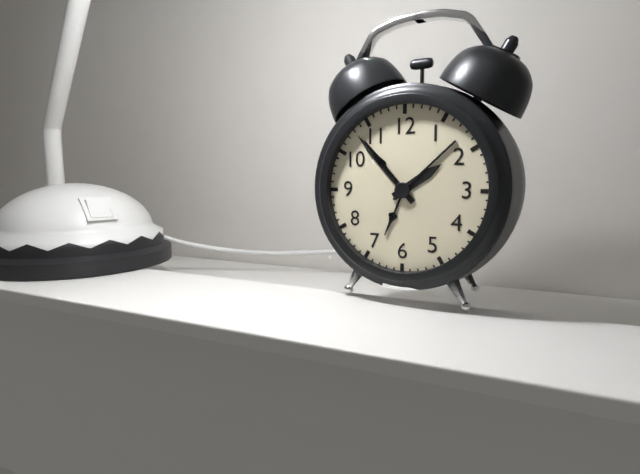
1:53
